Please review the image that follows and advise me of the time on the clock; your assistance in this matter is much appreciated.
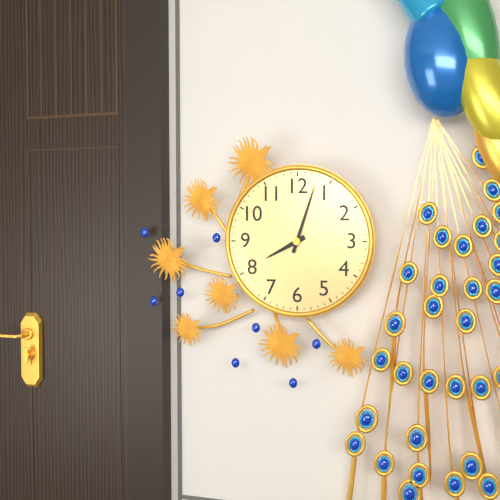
8:03
